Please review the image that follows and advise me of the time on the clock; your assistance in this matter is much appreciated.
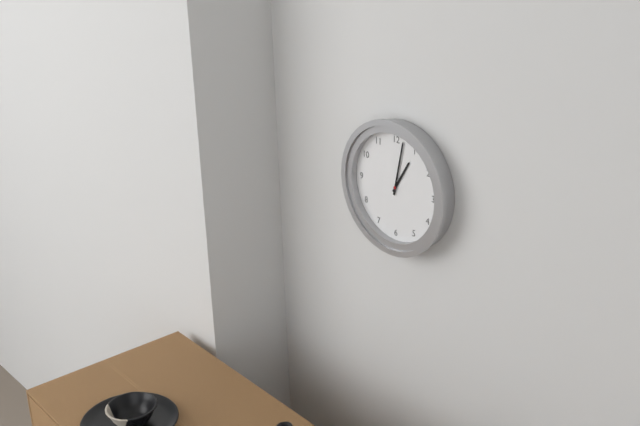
1:02
